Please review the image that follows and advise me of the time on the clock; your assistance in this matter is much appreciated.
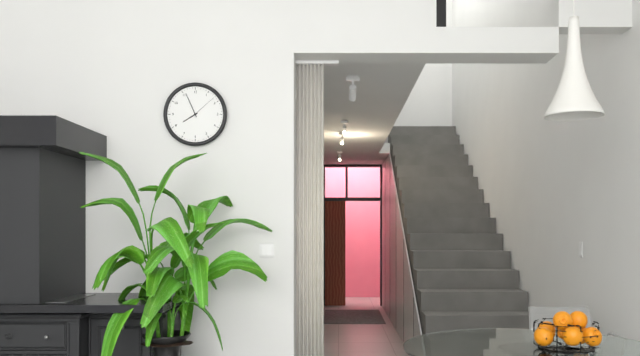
7:56
